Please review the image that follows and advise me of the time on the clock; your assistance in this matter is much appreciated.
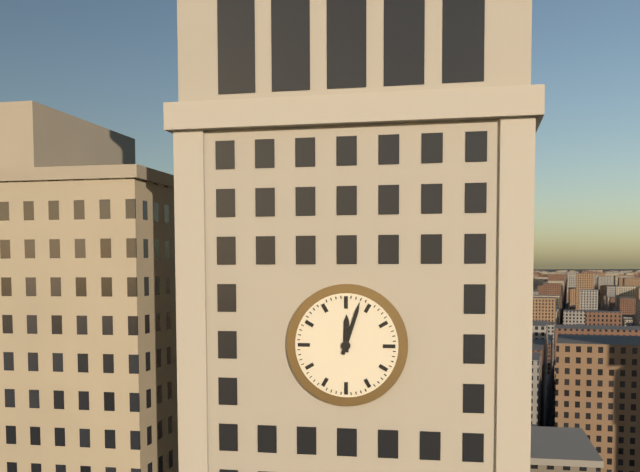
12:03
